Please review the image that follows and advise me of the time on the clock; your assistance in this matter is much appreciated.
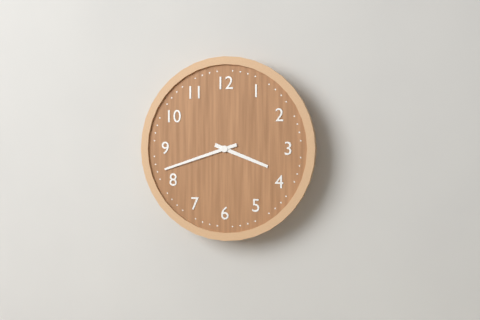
3:42
